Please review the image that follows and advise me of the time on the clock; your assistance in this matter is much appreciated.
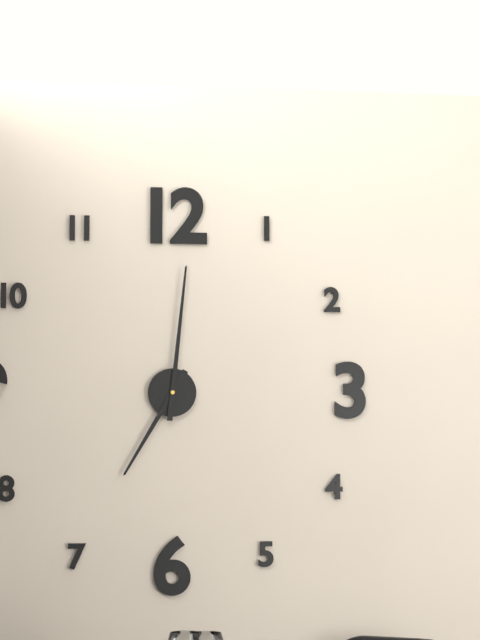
7:01
